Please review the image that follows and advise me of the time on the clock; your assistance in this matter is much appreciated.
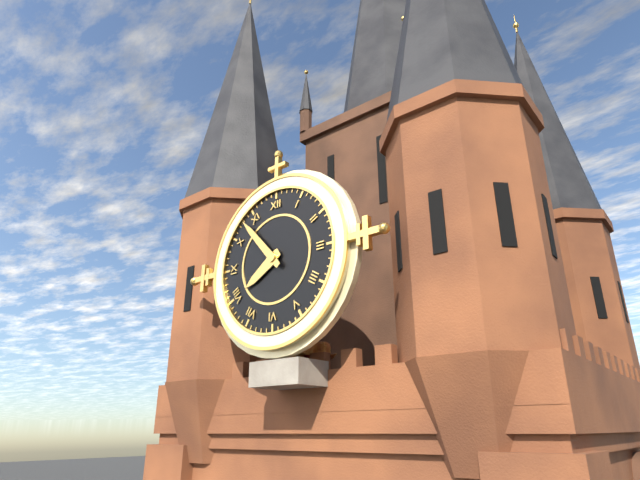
7:53
